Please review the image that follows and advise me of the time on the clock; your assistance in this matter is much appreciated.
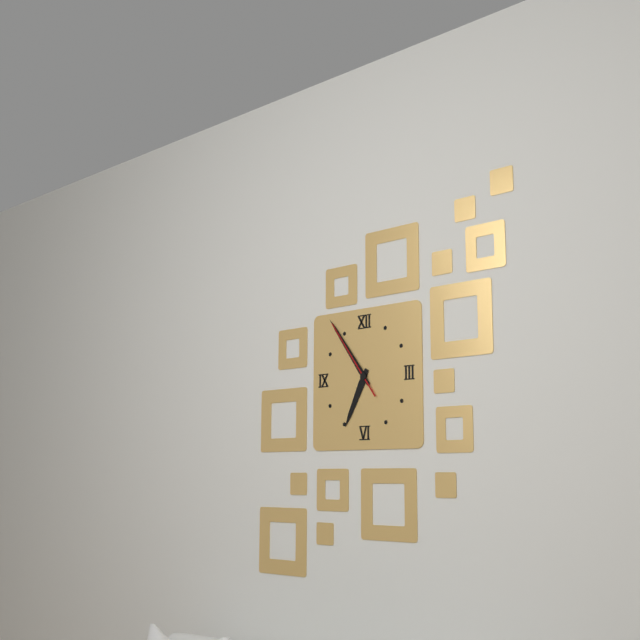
6:54:54
